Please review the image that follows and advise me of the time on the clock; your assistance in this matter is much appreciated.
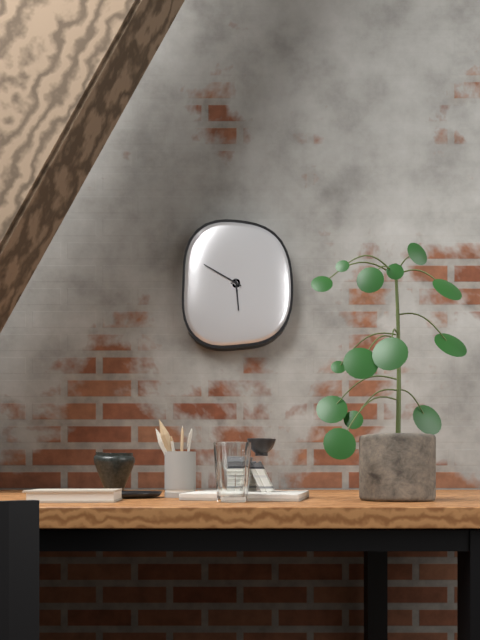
5:50
